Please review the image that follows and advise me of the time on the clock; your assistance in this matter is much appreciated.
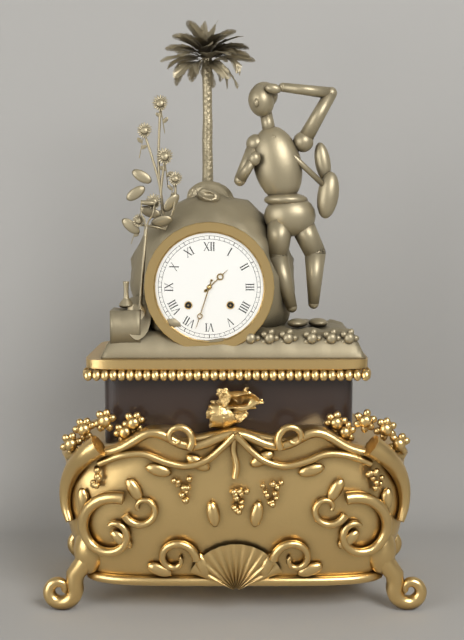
1:33
